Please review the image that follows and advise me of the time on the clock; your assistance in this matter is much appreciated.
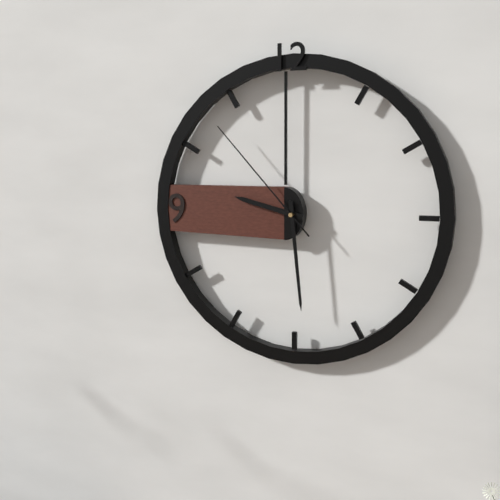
9:29:53
